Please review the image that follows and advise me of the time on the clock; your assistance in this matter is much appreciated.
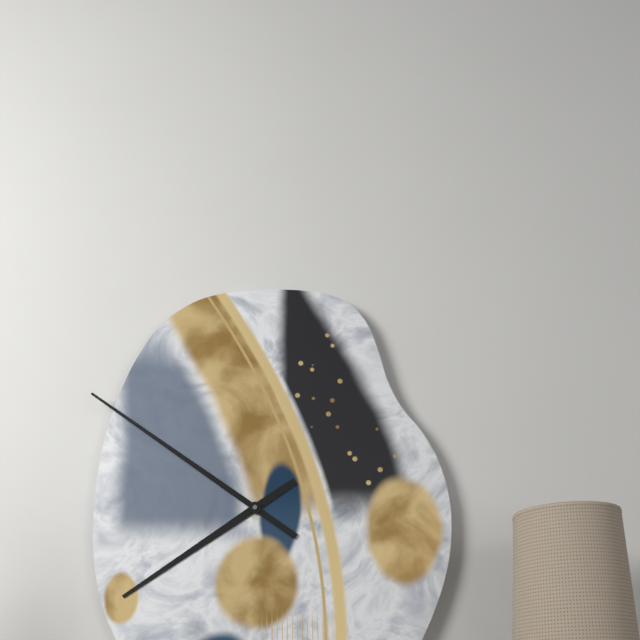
7:51
